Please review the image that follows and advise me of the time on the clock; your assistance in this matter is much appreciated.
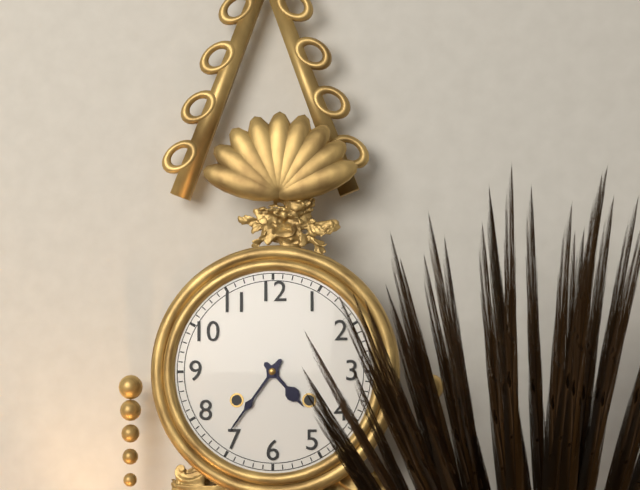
4:36
